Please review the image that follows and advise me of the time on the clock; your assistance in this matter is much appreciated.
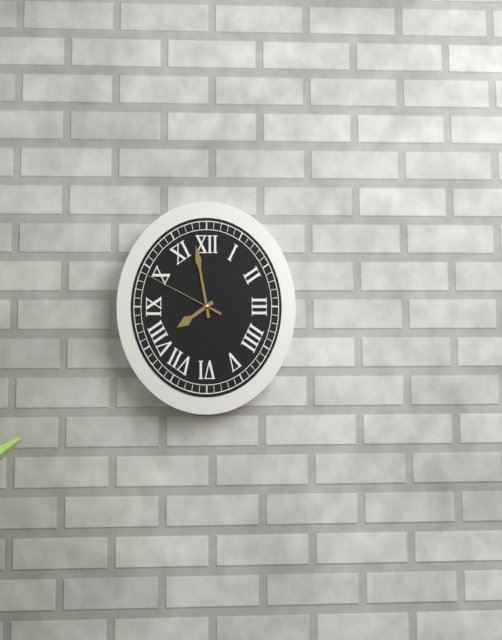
7:58:49
